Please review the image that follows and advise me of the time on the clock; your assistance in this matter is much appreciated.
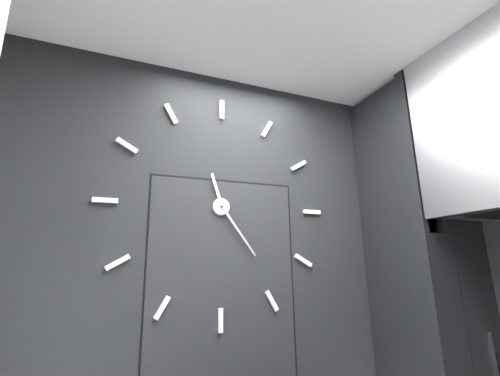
11:24
